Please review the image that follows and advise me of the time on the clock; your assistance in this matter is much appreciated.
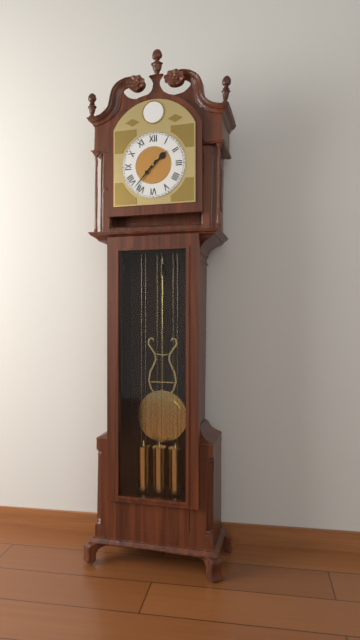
1:37
